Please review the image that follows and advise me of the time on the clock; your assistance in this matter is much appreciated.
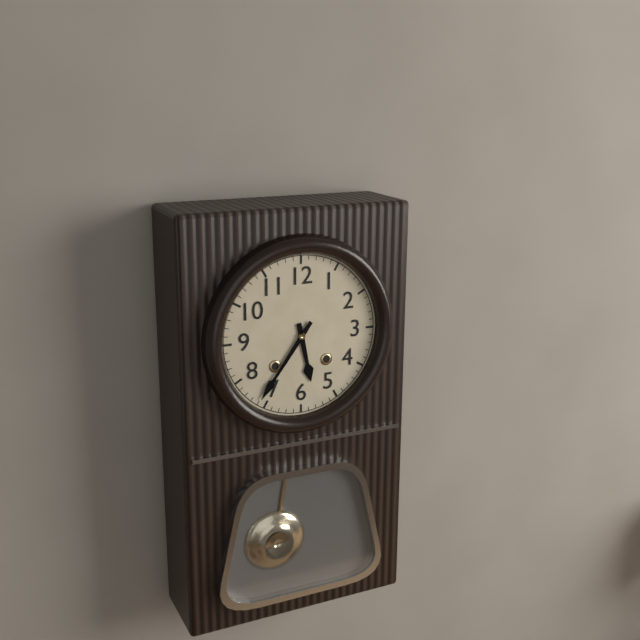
5:36
